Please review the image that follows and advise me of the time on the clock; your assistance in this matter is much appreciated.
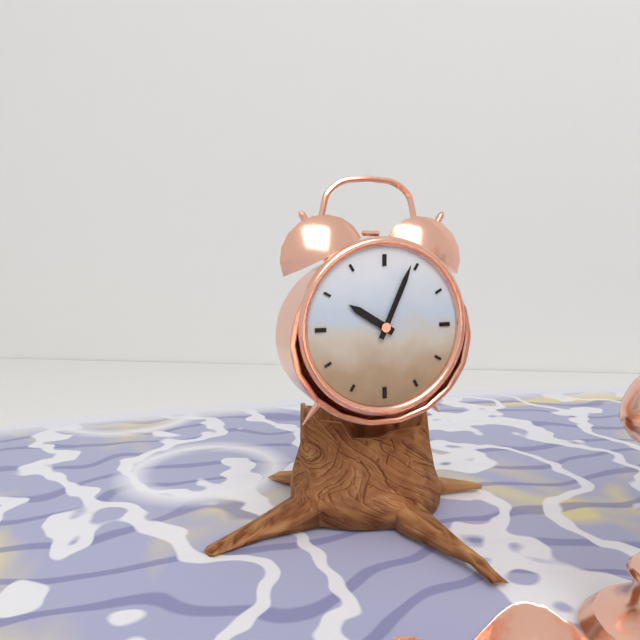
10:04
